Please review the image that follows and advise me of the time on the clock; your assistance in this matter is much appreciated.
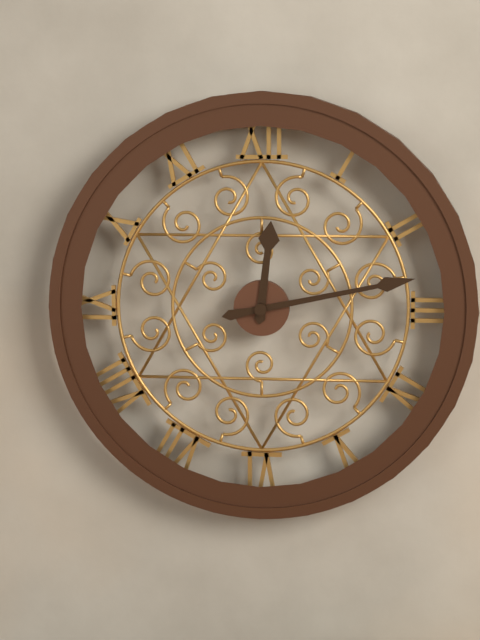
12:13
